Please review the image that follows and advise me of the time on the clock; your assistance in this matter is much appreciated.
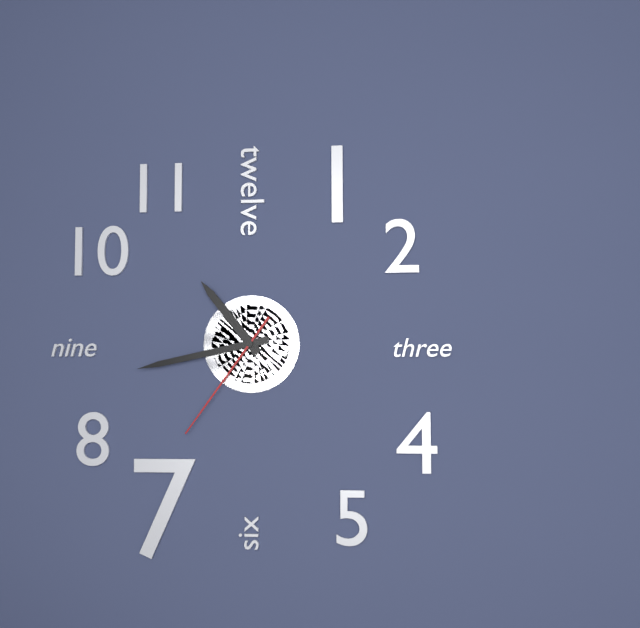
10:43:36
